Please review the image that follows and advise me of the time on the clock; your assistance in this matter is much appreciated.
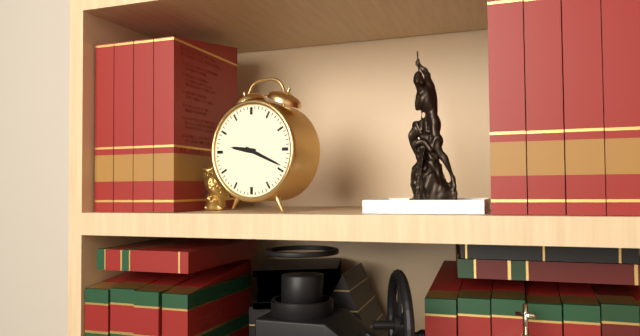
9:19
